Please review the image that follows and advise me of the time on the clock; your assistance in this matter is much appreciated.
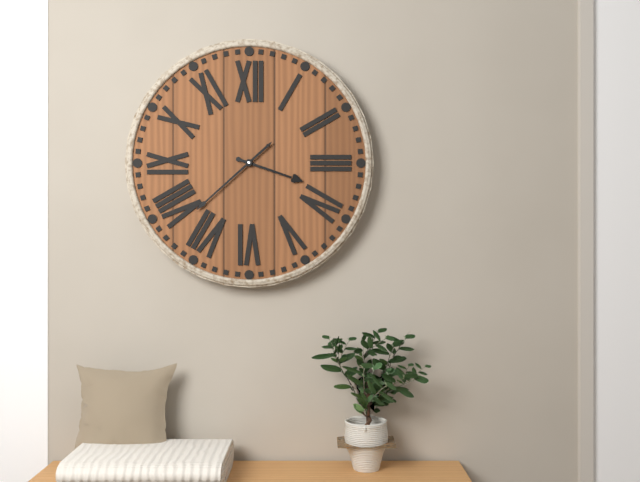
3:38
